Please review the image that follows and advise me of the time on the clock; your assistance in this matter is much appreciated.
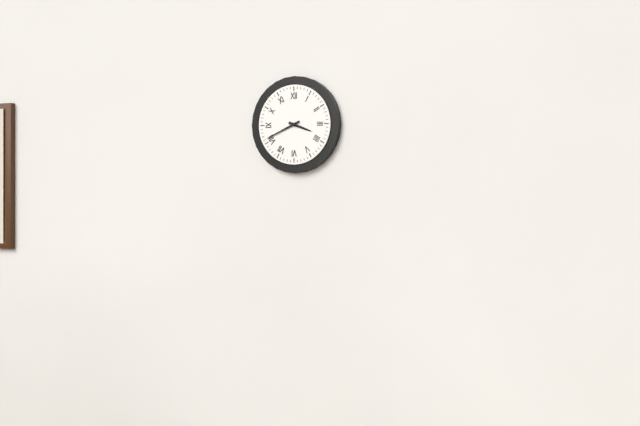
3:41
